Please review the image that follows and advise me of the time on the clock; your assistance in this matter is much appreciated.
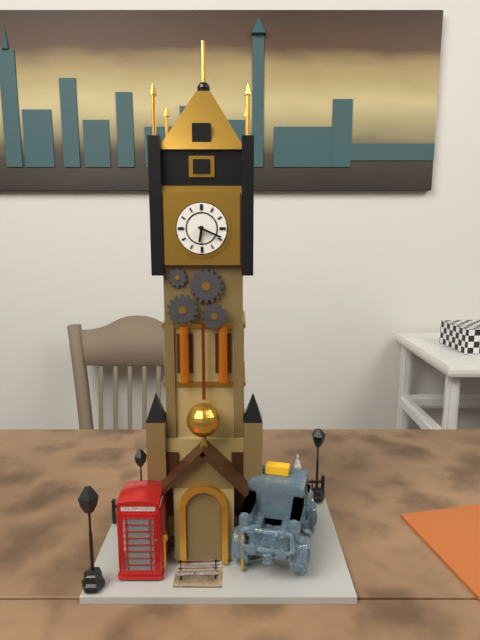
6:19
